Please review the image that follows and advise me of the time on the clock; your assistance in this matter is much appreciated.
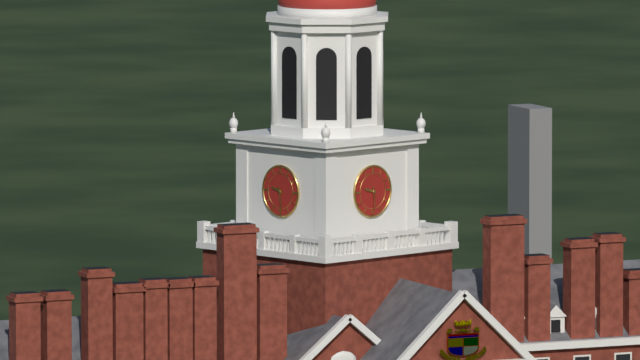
9:29
